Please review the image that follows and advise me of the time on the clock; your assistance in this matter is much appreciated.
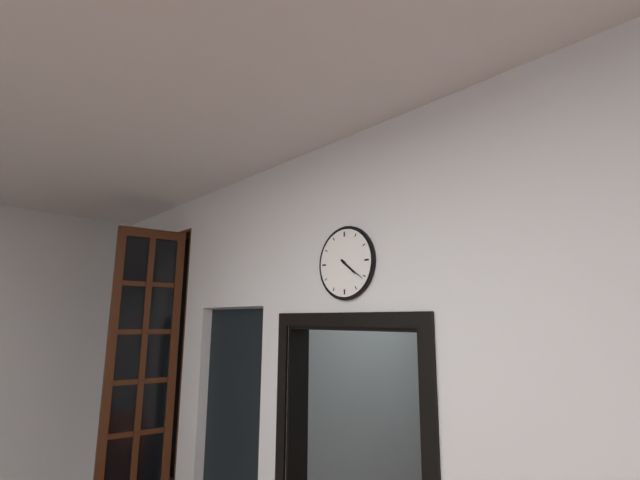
4:21
